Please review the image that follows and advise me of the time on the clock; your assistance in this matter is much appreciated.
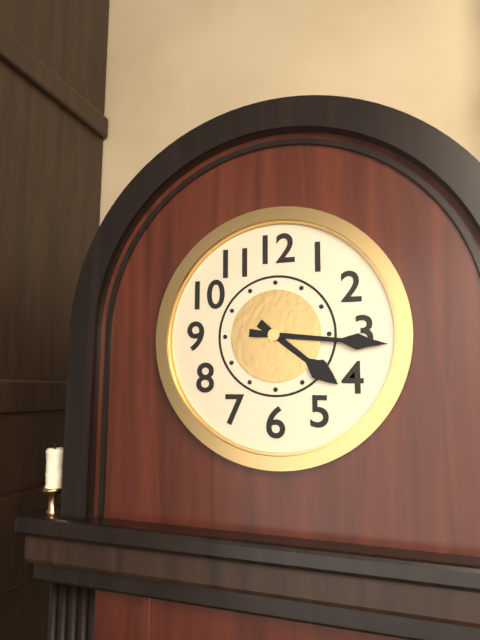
4:16
